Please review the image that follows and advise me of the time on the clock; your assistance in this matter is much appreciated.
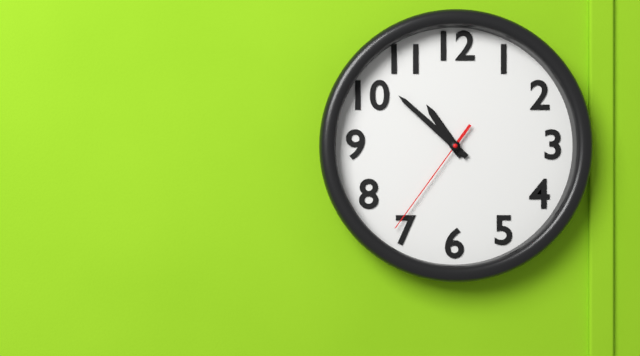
10:52:36
